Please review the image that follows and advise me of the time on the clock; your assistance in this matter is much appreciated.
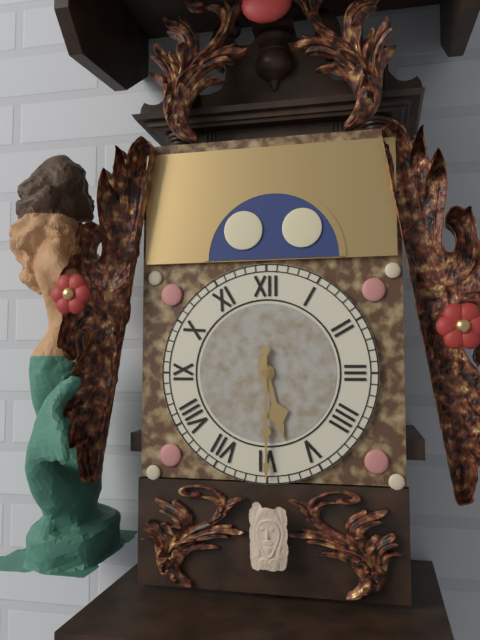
5:30
